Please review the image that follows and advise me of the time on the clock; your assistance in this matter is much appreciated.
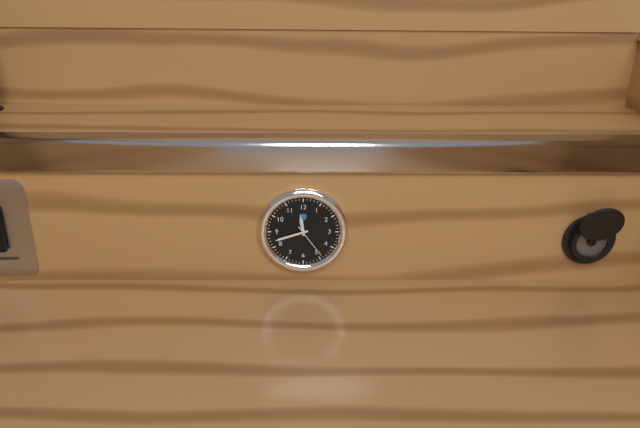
11:42
